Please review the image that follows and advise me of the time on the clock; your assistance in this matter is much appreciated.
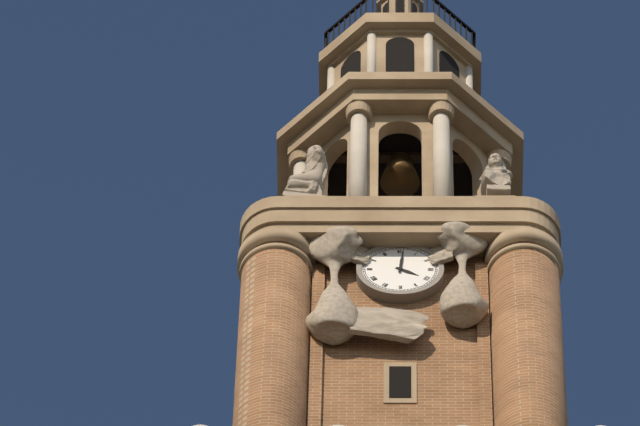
4:01
